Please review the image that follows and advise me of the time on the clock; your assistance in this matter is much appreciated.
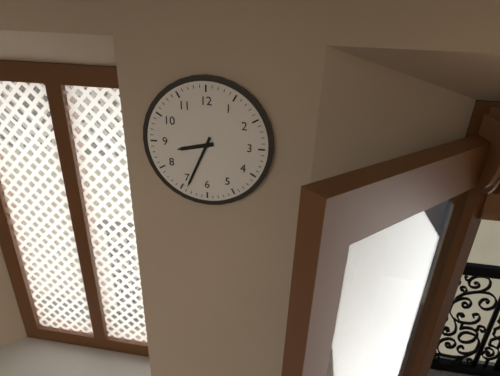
8:34
